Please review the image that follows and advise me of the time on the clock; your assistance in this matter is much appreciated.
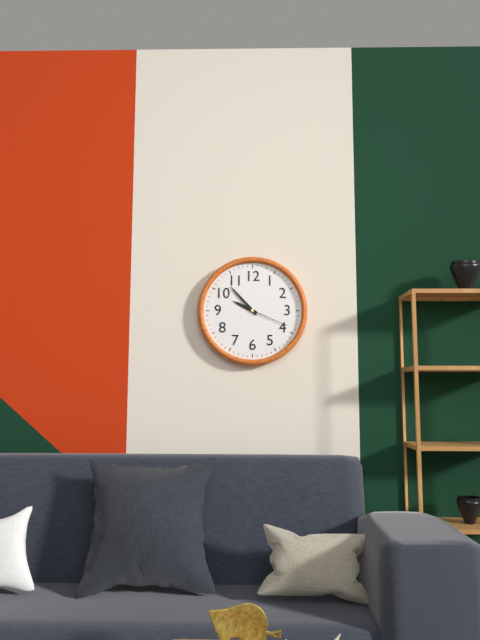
9:53
